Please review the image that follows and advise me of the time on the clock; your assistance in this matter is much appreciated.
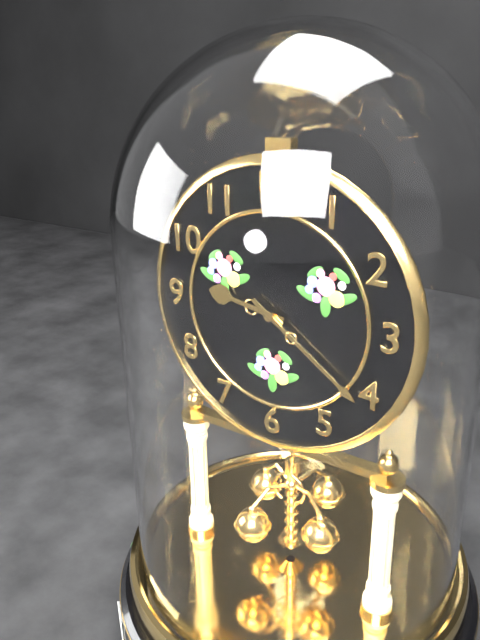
9:21
